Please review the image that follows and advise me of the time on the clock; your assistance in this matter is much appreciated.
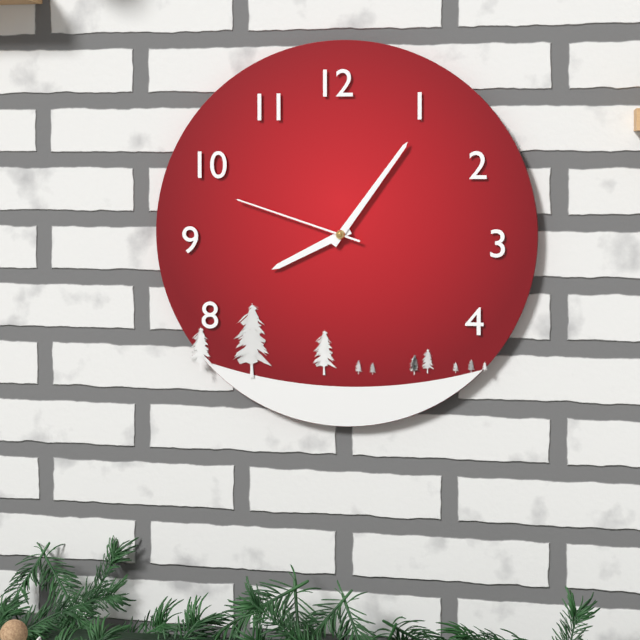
8:06:48
